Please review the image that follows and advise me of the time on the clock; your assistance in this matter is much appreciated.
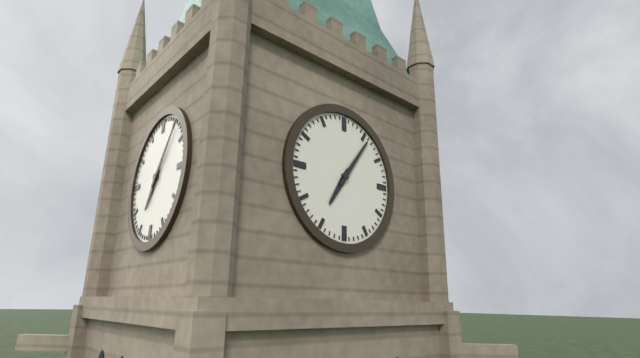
7:06
